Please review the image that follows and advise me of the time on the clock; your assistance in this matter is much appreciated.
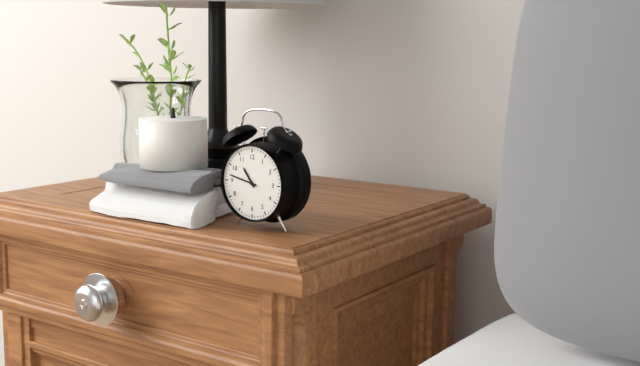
10:47
